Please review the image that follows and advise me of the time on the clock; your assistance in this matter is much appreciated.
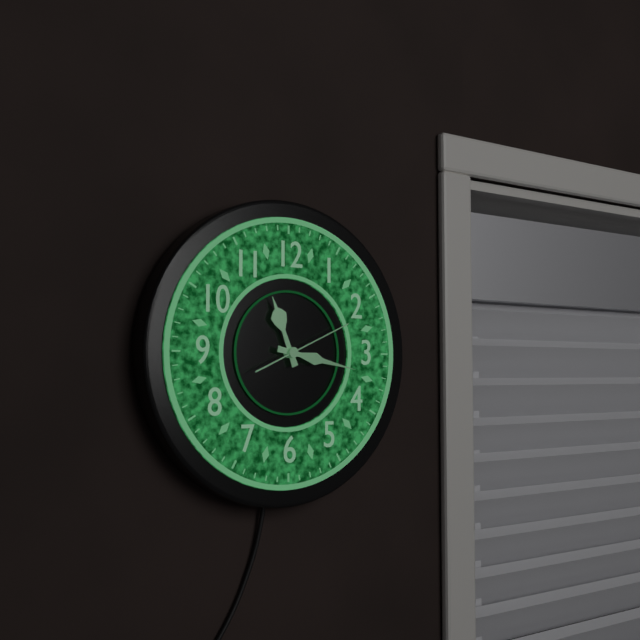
11:17:11
